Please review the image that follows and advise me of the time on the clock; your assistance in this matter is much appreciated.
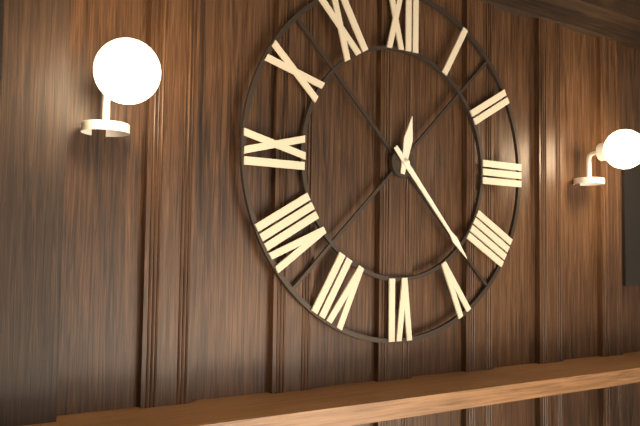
12:23
